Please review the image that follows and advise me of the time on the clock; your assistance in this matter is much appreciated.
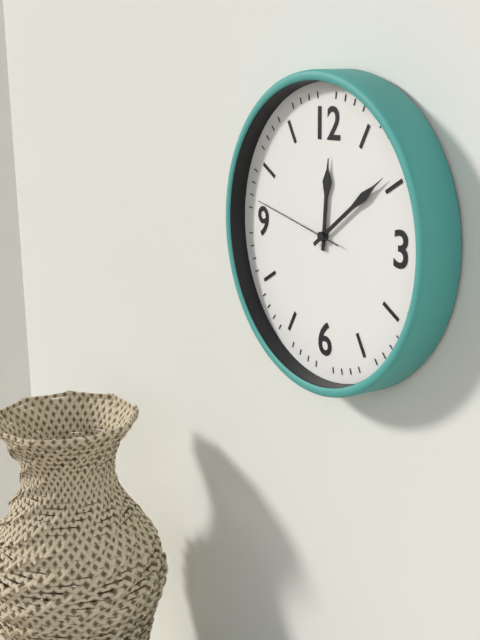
12:09:47
